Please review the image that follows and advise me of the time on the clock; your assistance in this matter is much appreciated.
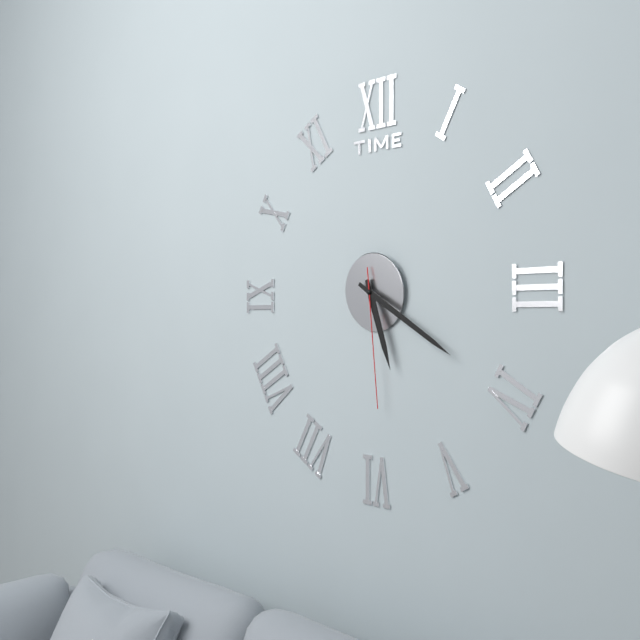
5:20:29
